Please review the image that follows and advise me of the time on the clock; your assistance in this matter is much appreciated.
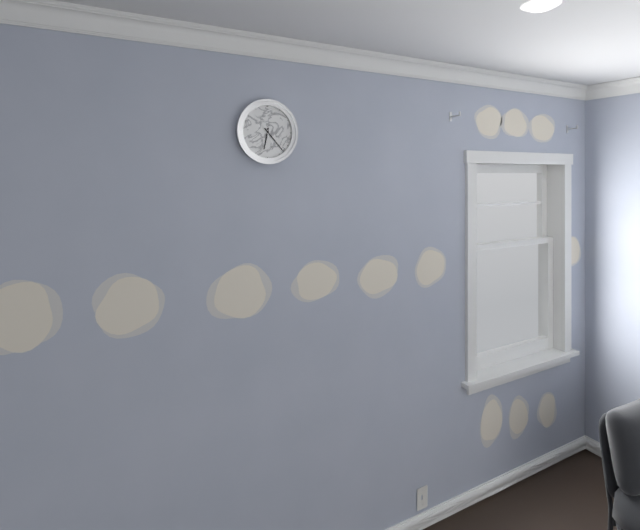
6:23
